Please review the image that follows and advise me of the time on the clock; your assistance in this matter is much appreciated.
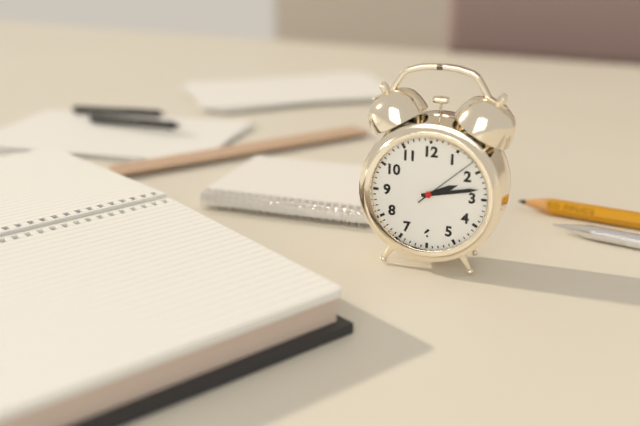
2:13:08
